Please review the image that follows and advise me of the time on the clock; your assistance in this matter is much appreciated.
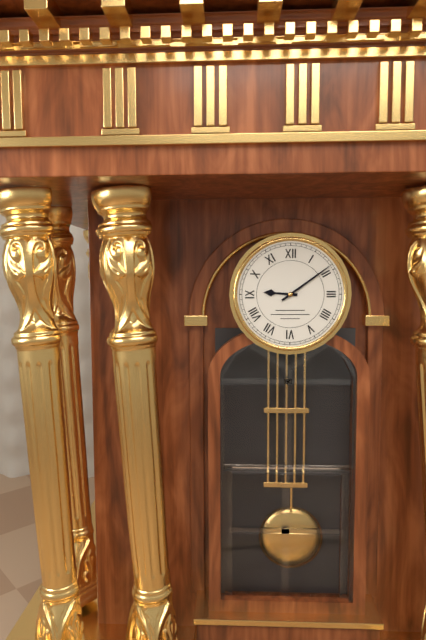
9:09
